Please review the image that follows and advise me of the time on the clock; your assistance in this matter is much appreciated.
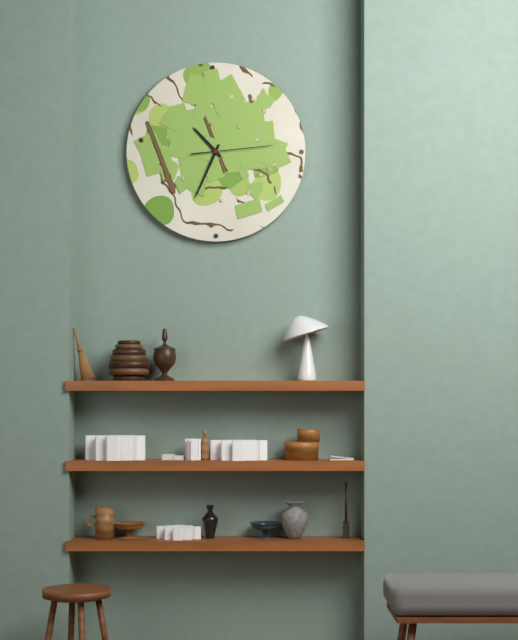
10:34:14
